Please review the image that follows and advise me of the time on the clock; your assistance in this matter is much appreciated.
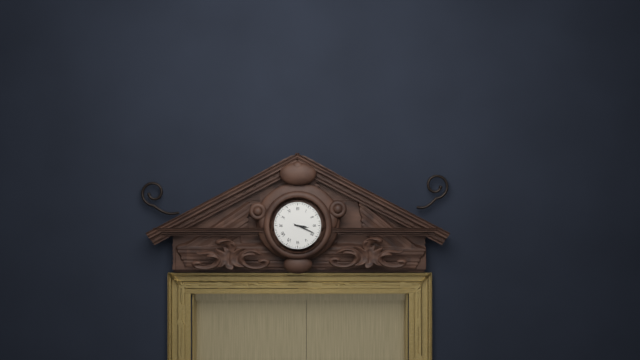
3:19
